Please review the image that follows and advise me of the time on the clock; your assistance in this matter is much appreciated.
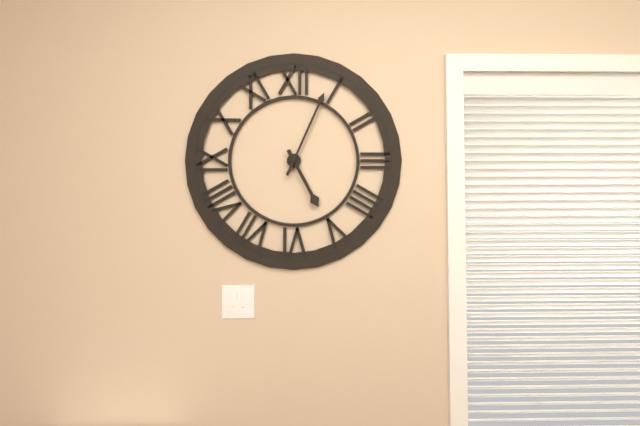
5:04
